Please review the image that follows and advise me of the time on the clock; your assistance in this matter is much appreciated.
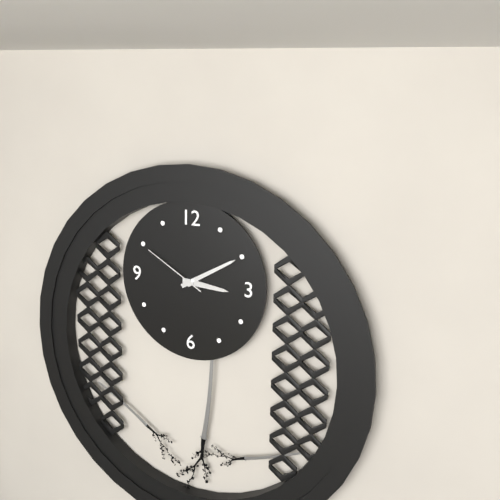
3:10:50
